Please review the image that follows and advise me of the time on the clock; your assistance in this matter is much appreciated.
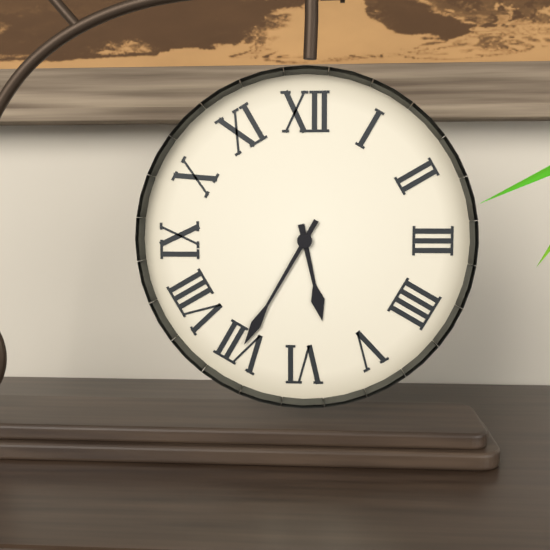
5:35
